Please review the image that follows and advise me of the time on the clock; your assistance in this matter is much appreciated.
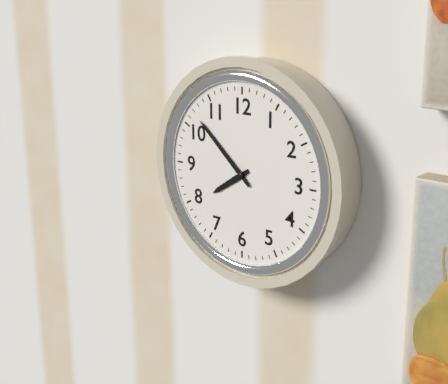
7:52
